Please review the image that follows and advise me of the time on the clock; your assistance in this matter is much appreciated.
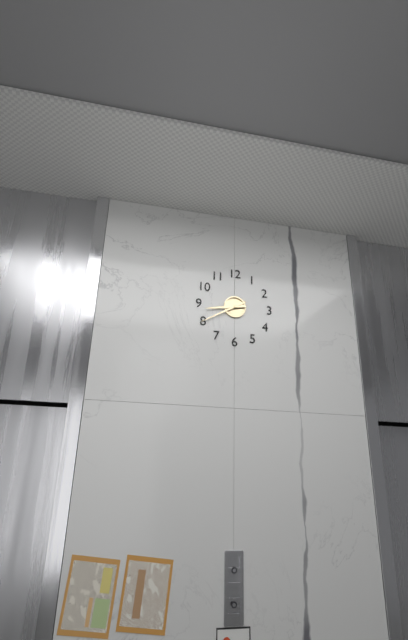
8:40
